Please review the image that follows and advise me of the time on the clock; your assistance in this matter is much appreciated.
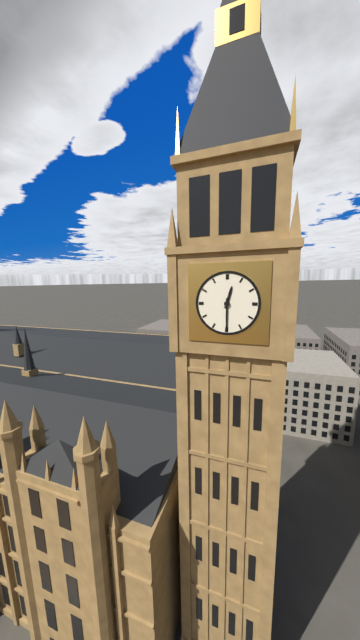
12:30
